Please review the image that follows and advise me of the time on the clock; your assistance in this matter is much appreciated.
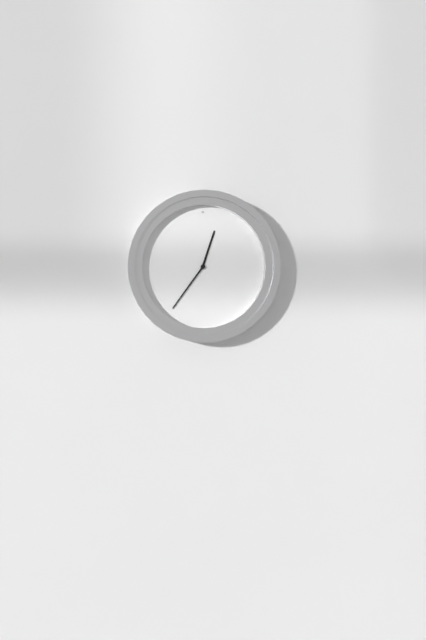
12:36
